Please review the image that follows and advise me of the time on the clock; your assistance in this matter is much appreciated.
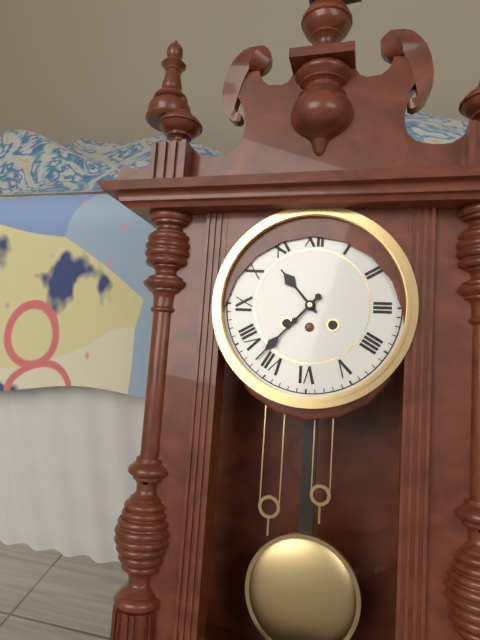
10:37
